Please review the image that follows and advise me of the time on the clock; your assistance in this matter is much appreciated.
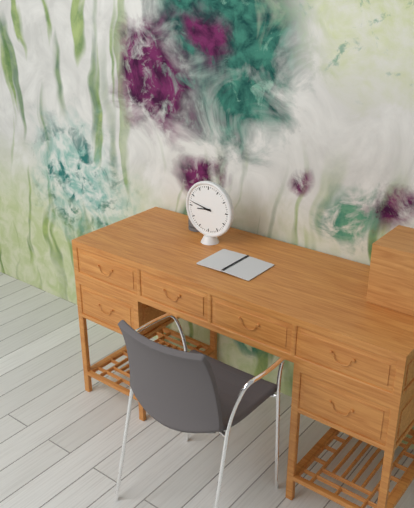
8:47
